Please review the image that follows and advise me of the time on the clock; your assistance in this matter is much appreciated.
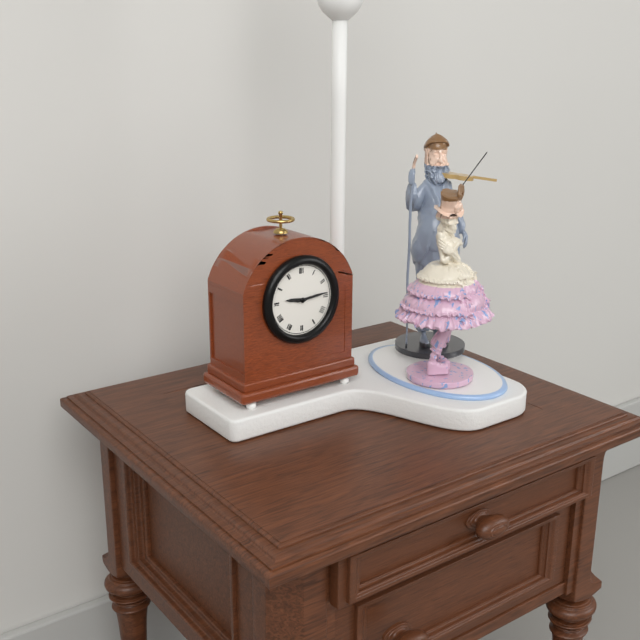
9:14
